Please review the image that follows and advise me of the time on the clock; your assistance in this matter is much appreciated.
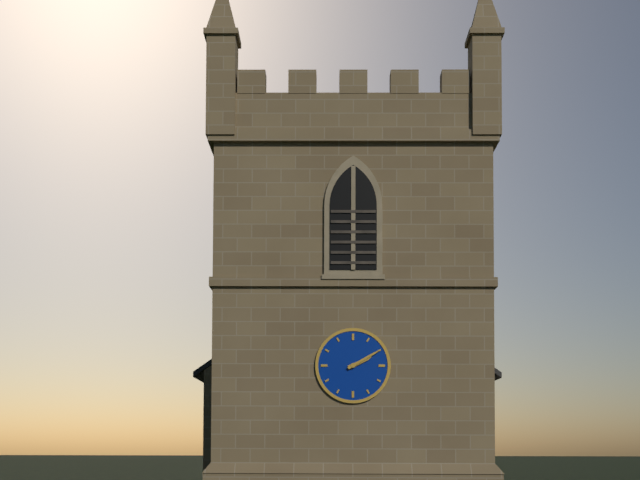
2:10
